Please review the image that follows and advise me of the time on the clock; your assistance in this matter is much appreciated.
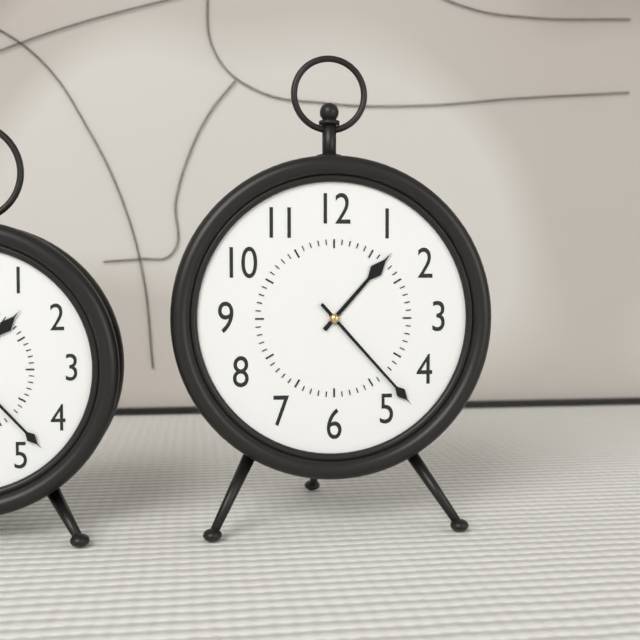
1:23
